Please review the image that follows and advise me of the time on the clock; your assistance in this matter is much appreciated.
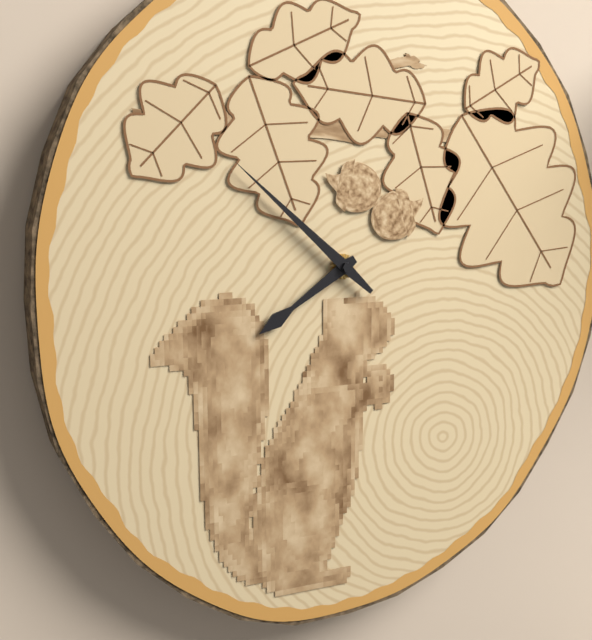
7:52
